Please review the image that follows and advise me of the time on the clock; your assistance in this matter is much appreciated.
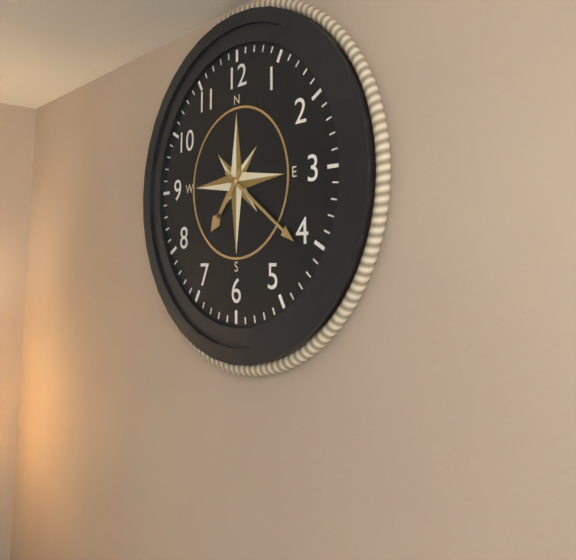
7:21
